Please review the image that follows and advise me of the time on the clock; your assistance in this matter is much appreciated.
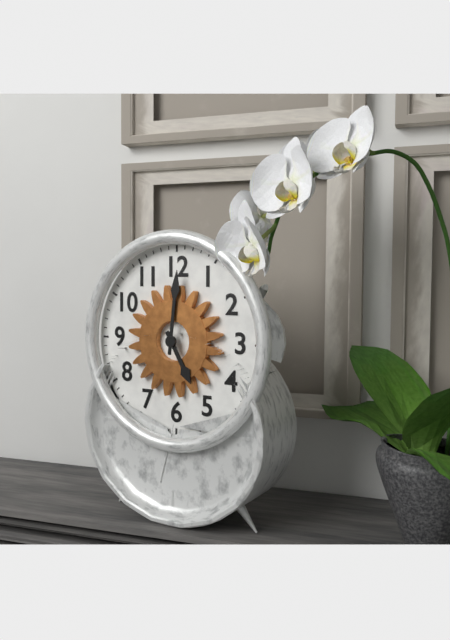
5:01
